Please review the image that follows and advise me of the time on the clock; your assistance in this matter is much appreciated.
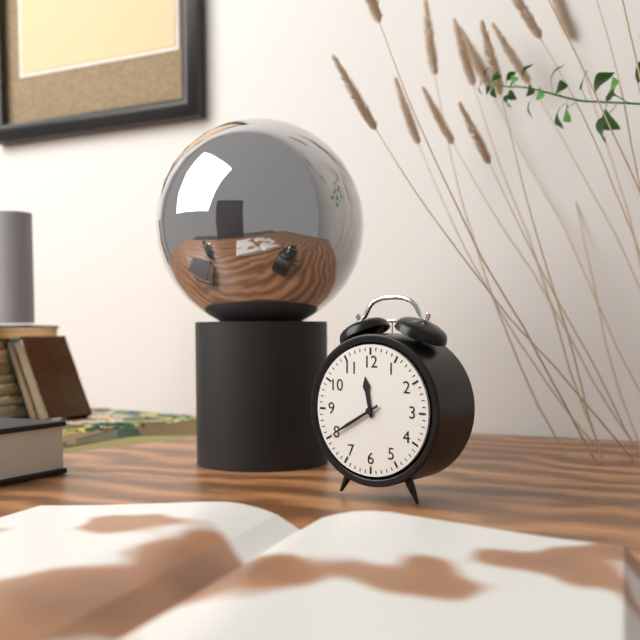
11:40
